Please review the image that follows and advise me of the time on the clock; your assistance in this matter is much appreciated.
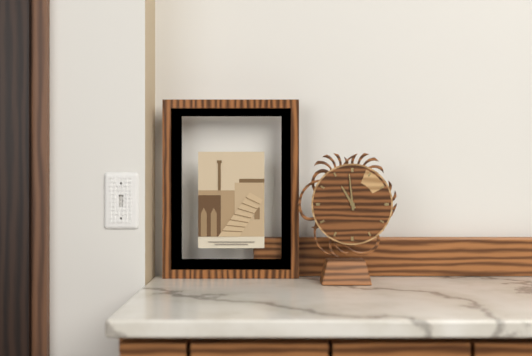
10:59
